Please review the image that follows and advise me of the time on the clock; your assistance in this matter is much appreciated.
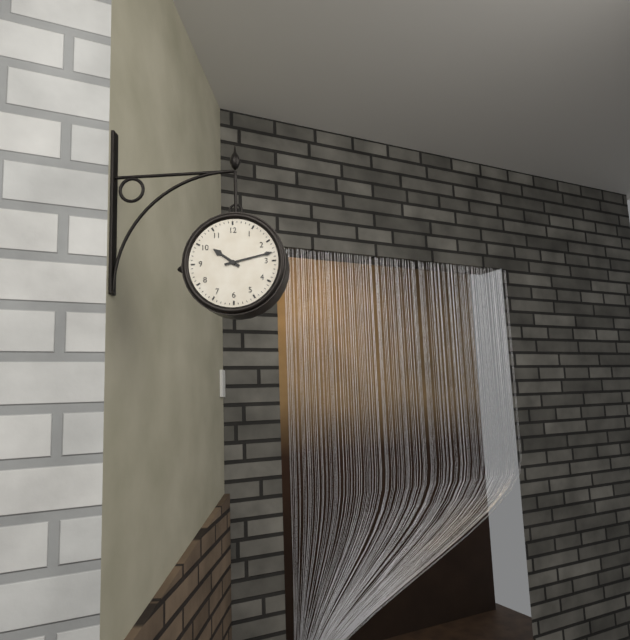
10:13
